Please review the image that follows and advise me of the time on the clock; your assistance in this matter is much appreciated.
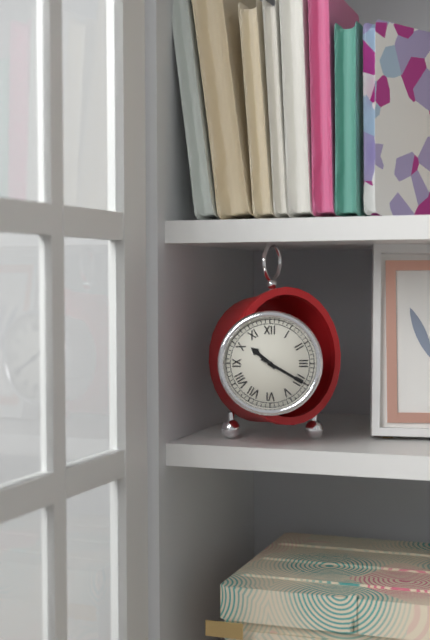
10:20
